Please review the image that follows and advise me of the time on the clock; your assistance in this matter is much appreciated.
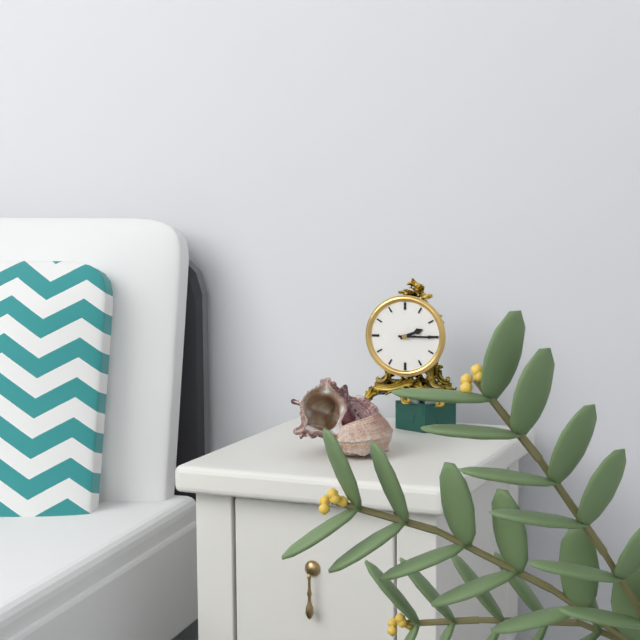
2:15
